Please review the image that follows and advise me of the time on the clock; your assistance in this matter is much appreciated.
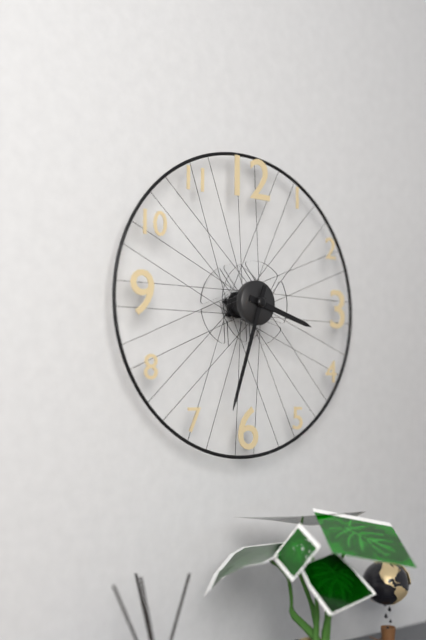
3:33
